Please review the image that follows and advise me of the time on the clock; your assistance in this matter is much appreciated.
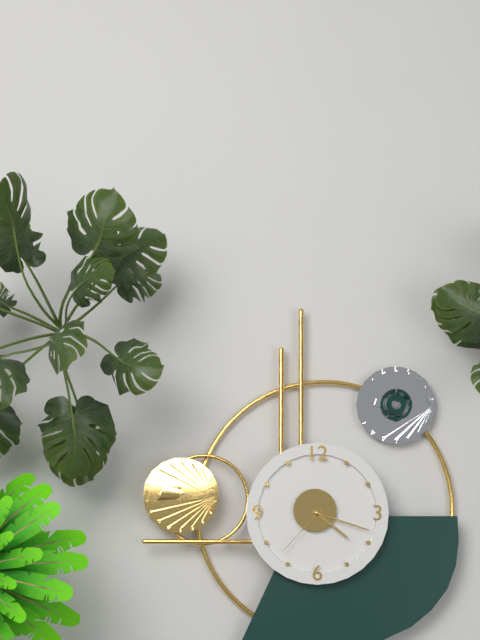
4:18:37
